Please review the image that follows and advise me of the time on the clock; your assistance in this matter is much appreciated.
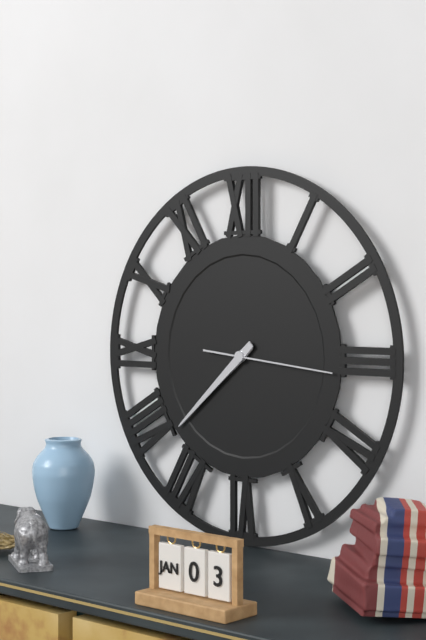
7:38:16
